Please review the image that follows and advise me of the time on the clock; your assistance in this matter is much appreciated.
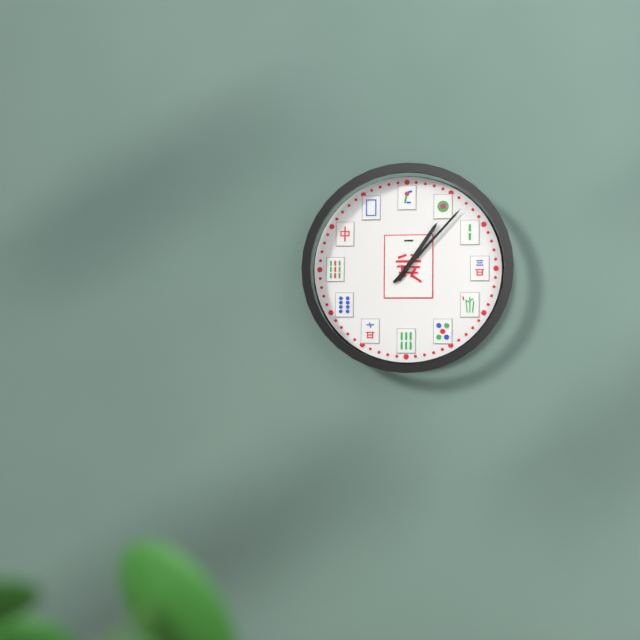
1:07:07
